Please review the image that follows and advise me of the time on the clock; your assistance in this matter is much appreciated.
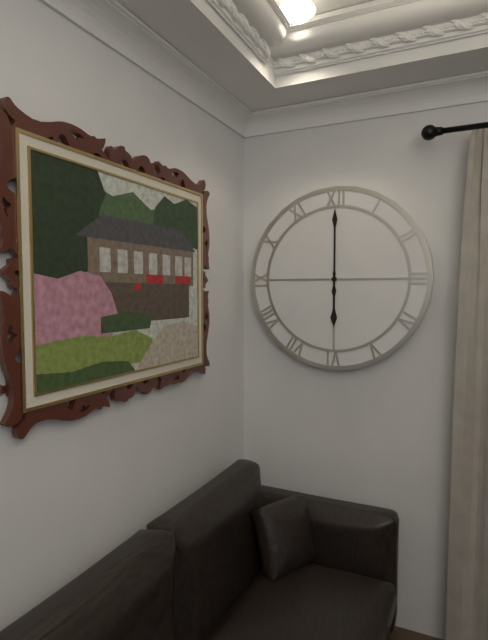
6:00
